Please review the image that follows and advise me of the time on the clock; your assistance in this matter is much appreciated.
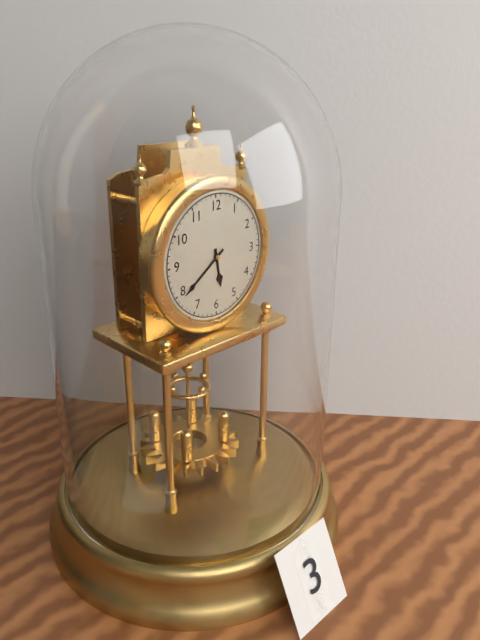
5:39
